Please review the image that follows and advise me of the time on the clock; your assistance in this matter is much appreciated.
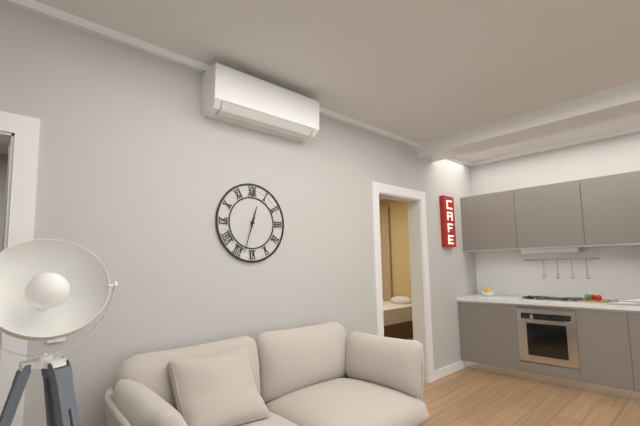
12:33
